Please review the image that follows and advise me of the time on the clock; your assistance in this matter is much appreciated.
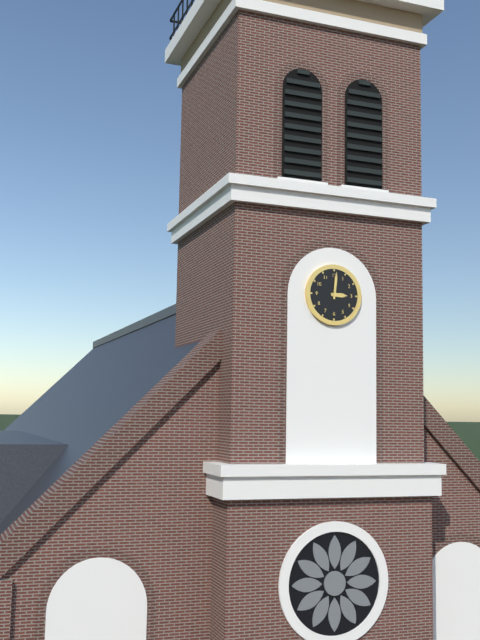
3:01
